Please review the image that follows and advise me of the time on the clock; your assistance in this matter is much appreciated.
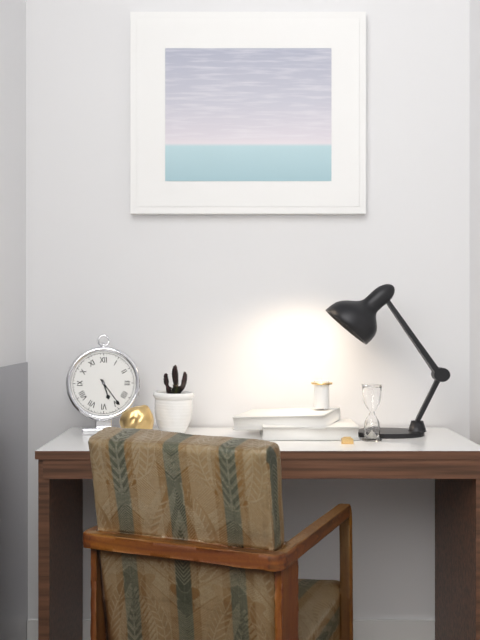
5:24
